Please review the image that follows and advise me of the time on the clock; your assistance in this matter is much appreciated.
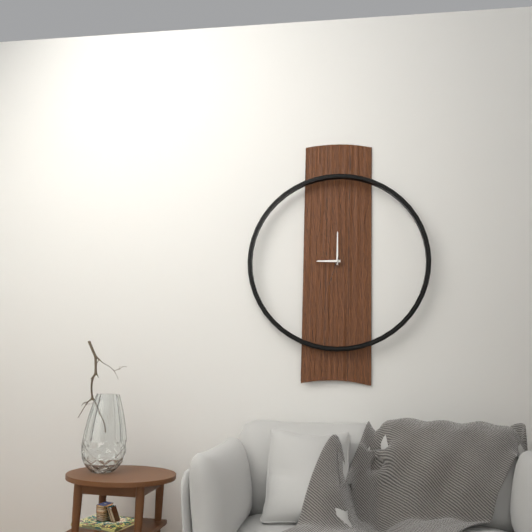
9:00
